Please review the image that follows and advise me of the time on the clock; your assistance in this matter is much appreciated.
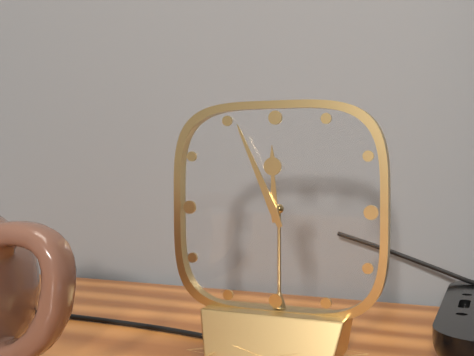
11:56
